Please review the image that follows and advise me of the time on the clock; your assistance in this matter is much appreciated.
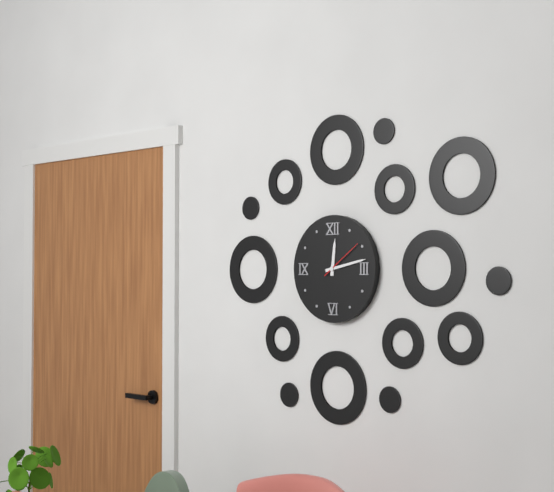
12:13
